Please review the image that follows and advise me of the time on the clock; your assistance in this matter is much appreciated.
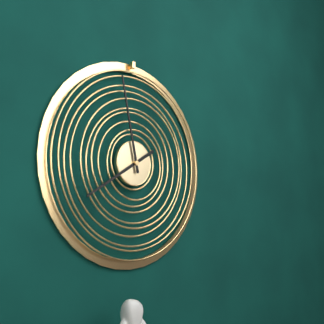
7:58
